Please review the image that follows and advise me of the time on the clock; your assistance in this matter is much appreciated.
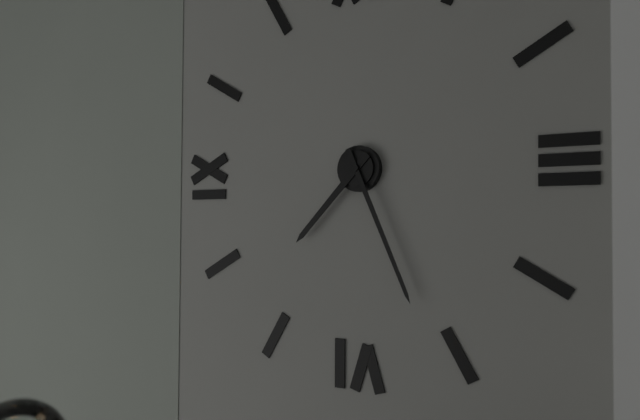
7:26
